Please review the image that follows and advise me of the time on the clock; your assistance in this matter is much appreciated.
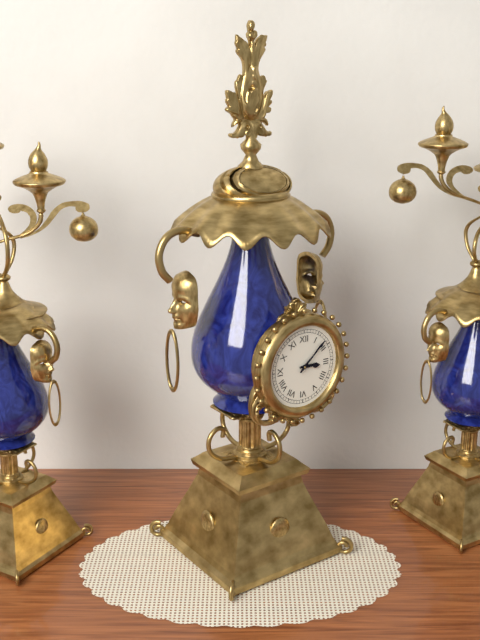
3:08
